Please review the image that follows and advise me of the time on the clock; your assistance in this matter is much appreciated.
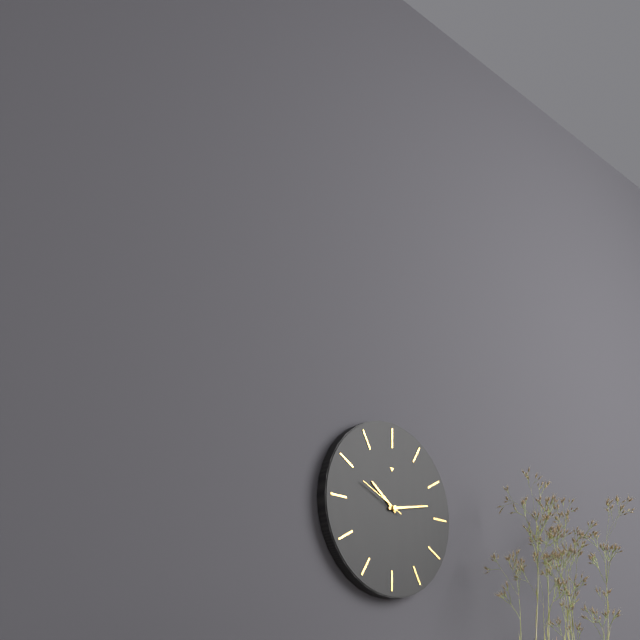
10:13:49
